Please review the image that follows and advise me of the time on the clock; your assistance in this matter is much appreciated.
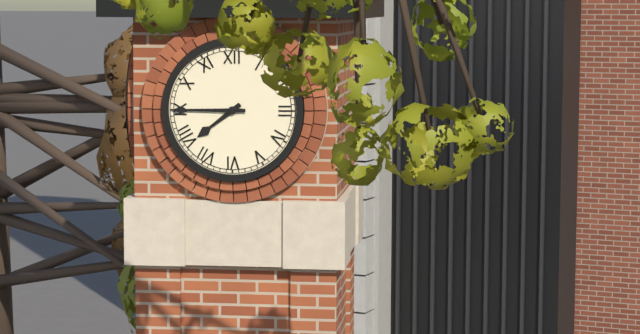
7:45
